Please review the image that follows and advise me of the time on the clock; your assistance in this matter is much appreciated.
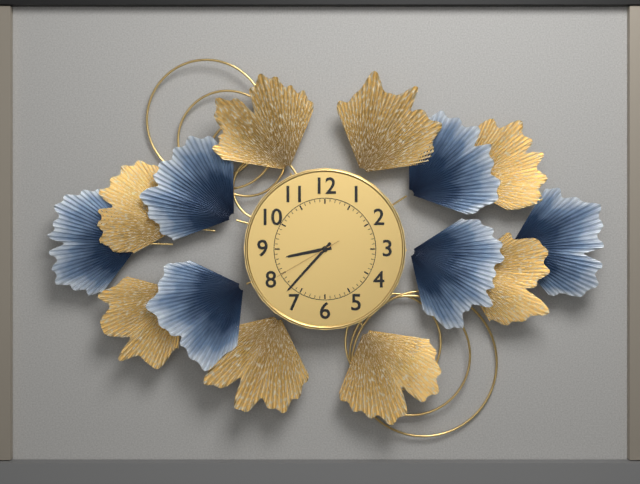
8:37:40
